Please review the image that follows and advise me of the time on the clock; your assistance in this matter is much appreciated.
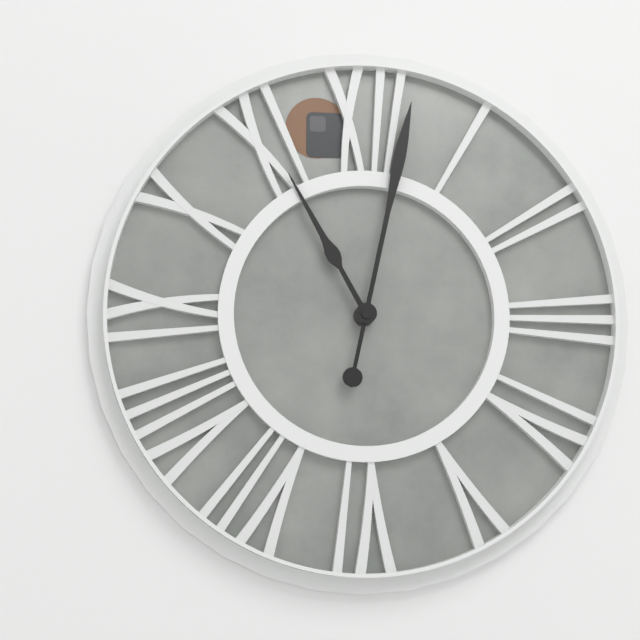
11:02
